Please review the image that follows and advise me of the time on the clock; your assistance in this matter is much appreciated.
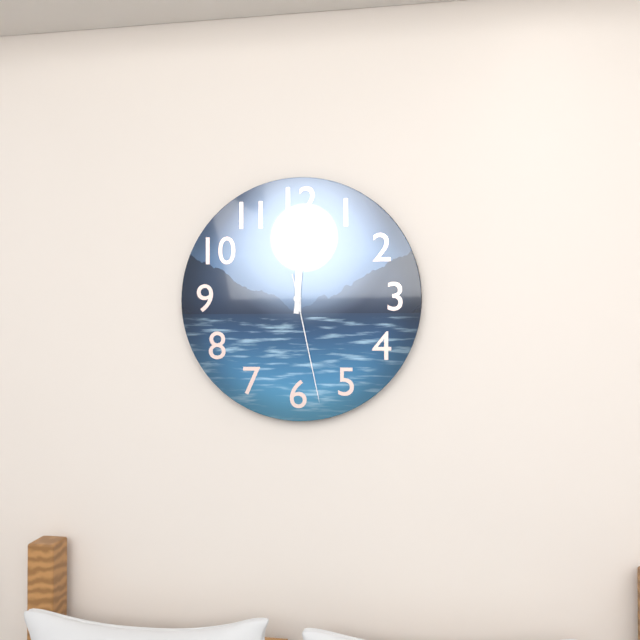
12:01:28
